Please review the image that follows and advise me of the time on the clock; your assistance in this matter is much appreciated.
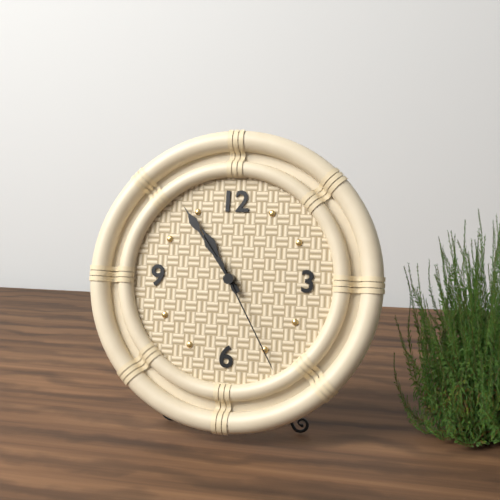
10:54:25
